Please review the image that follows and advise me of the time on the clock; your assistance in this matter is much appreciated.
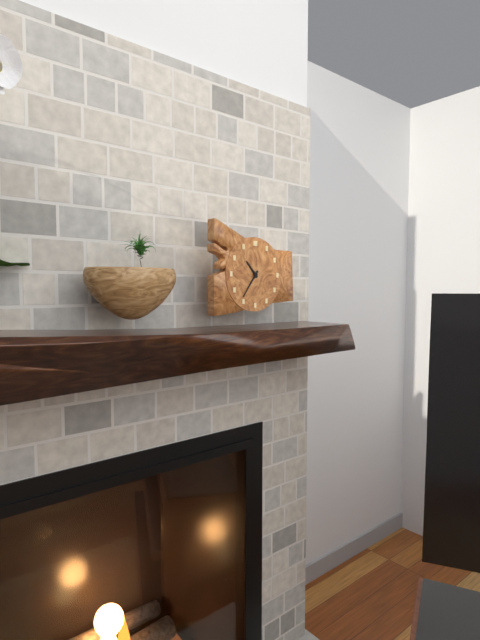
10:36
